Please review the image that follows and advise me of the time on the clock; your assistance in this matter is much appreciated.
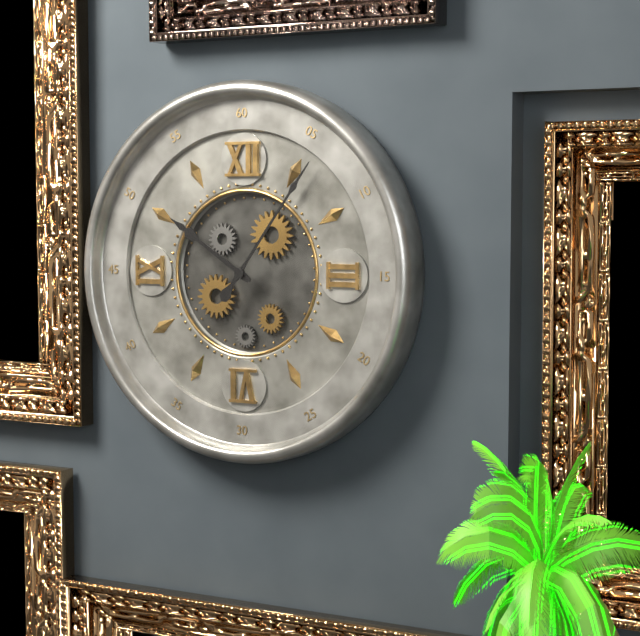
10:06
